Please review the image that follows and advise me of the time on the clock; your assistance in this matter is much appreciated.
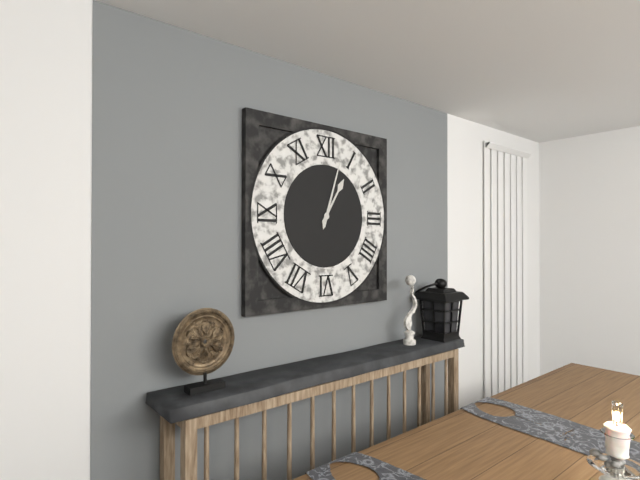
1:03
